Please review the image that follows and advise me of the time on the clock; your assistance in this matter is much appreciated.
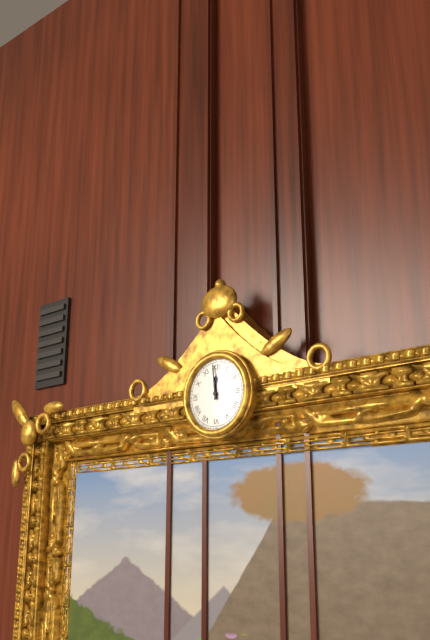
11:59
